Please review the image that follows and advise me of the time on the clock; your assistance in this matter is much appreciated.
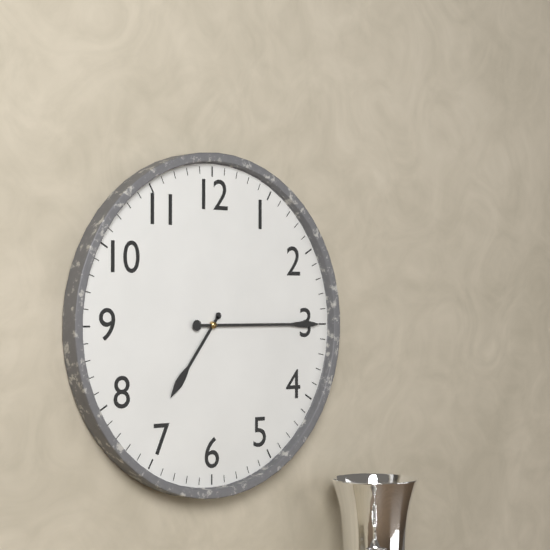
7:15
